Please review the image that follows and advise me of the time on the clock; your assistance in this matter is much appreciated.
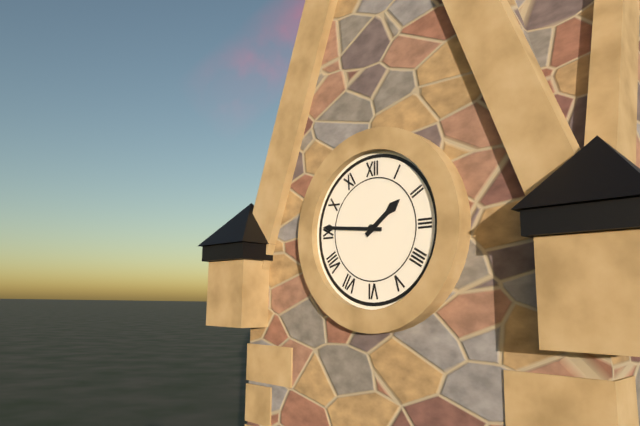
1:46
